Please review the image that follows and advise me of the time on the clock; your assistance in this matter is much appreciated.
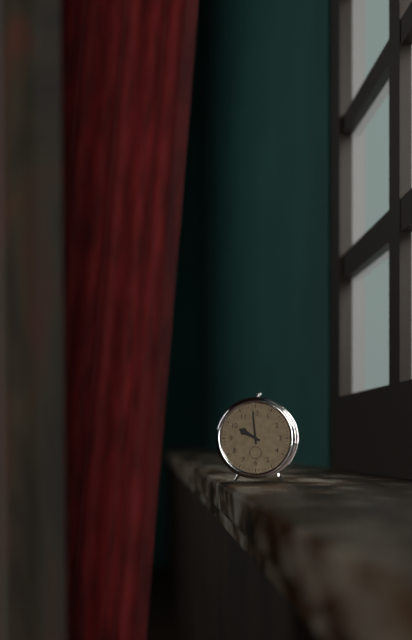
9:59
